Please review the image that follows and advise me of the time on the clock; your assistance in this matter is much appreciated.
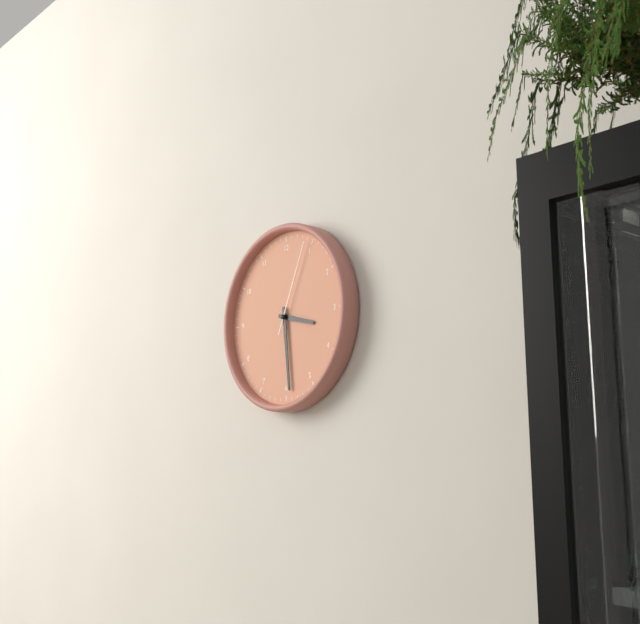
3:29:04
